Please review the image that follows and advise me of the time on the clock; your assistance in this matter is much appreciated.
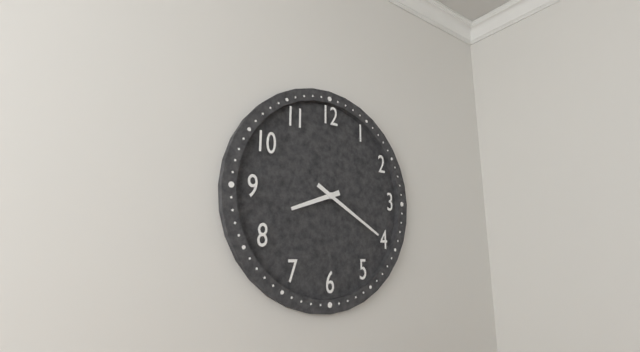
8:20
